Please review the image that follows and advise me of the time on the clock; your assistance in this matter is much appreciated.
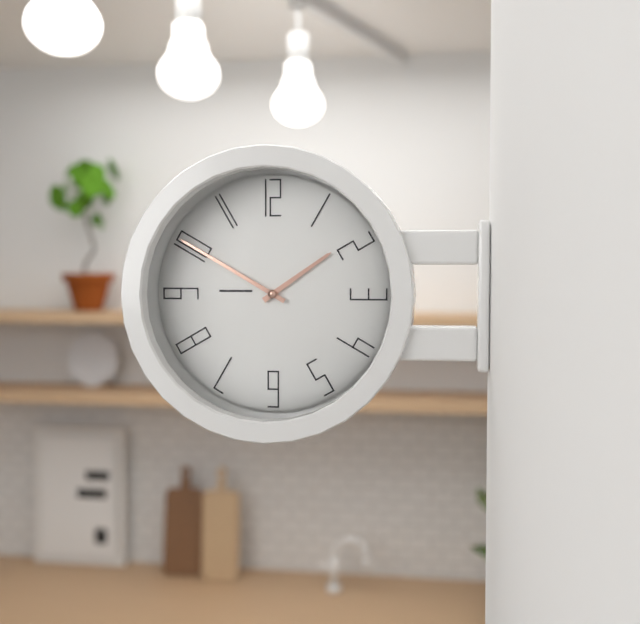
1:50
